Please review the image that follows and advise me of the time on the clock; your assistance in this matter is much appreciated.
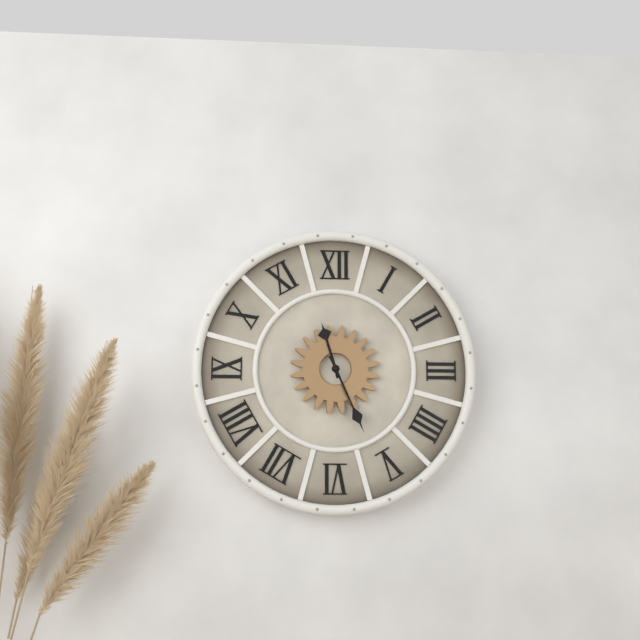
11:26
